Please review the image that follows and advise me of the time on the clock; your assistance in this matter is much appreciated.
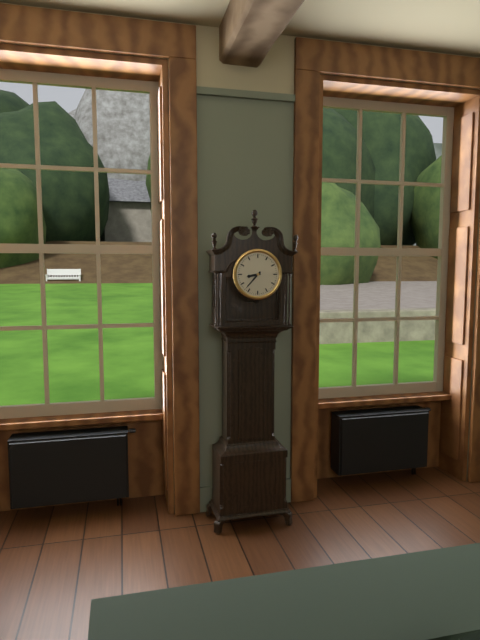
8:37
